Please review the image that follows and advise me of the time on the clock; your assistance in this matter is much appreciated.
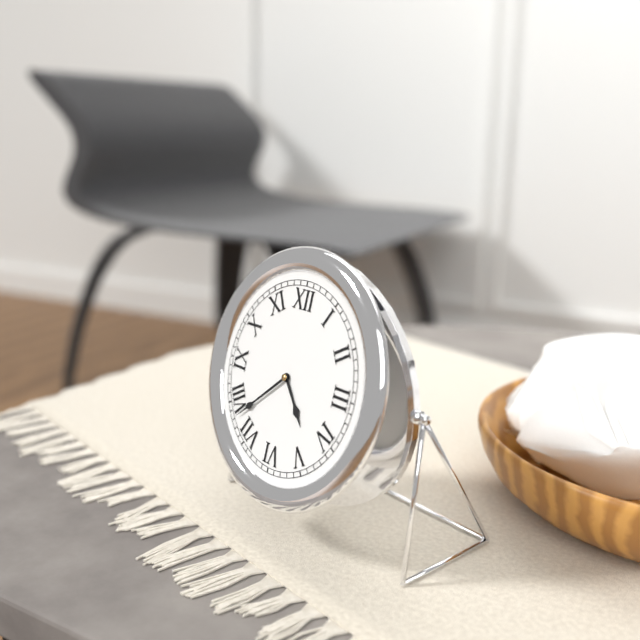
4:38
